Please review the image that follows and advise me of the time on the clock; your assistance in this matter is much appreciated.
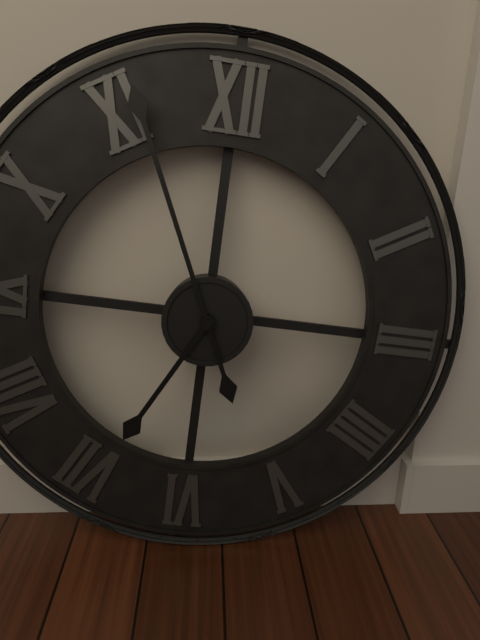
6:56
